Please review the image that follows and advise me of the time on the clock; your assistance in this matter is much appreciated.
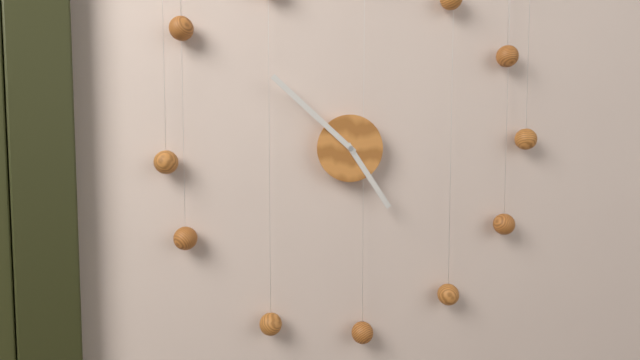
4:52
